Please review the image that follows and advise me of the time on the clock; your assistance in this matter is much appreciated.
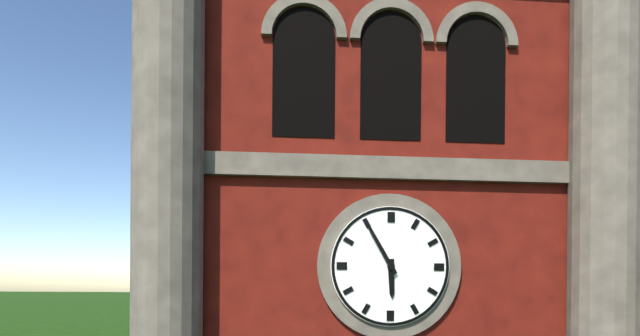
5:55
